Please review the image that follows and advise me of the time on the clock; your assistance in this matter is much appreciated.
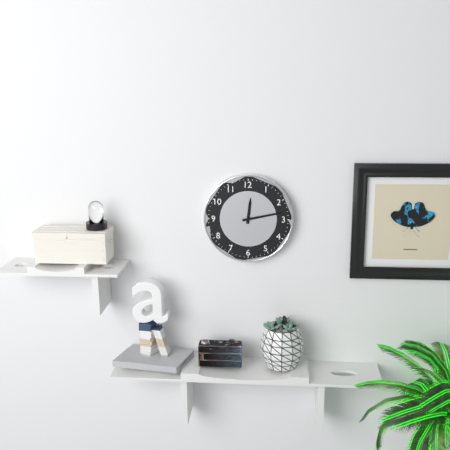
12:13
